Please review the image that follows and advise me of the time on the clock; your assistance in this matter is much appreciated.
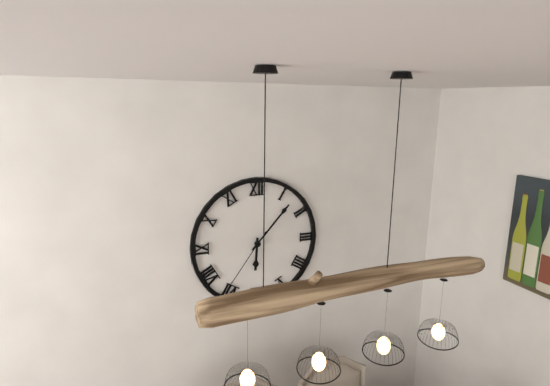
6:07:36
